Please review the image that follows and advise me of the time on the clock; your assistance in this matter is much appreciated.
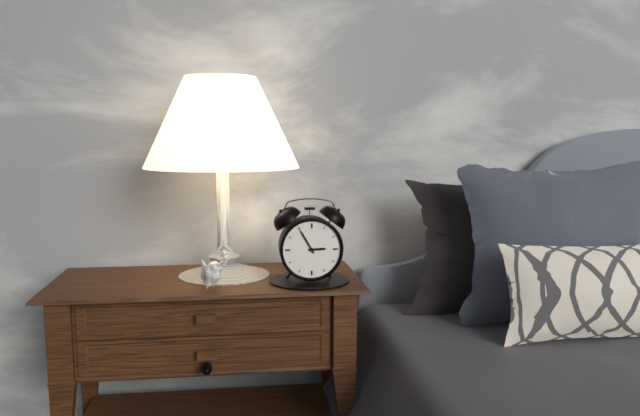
2:55
